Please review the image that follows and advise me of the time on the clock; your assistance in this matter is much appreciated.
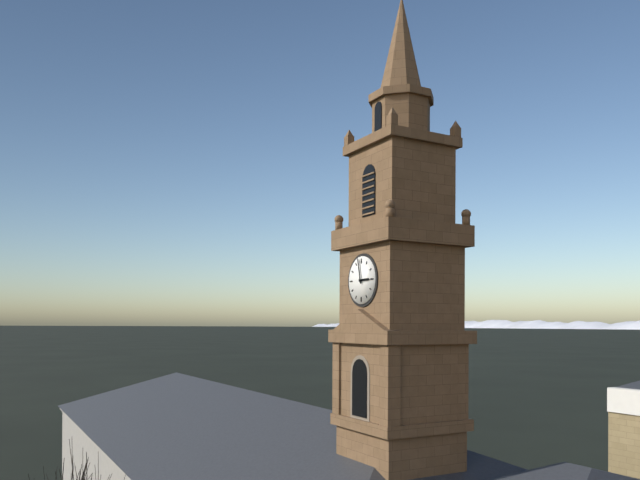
2:58
